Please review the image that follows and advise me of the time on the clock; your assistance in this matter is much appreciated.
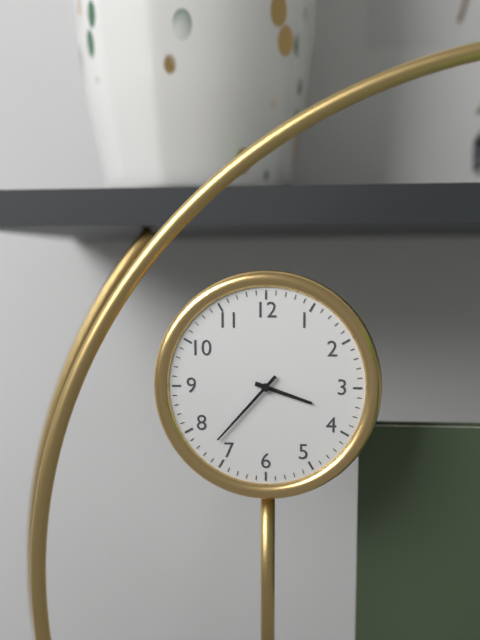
3:37
